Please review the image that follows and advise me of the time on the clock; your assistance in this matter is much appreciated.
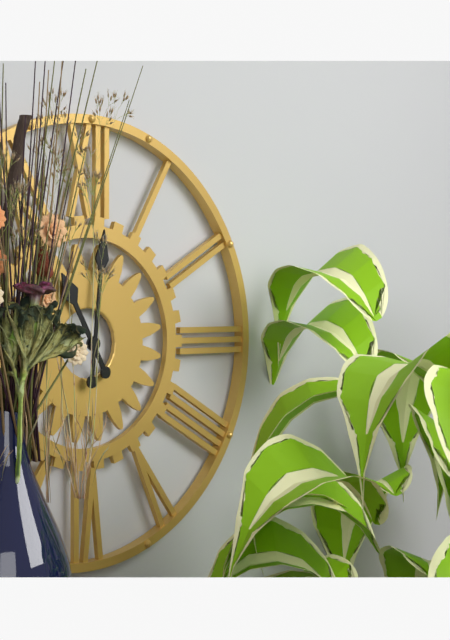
11:01
